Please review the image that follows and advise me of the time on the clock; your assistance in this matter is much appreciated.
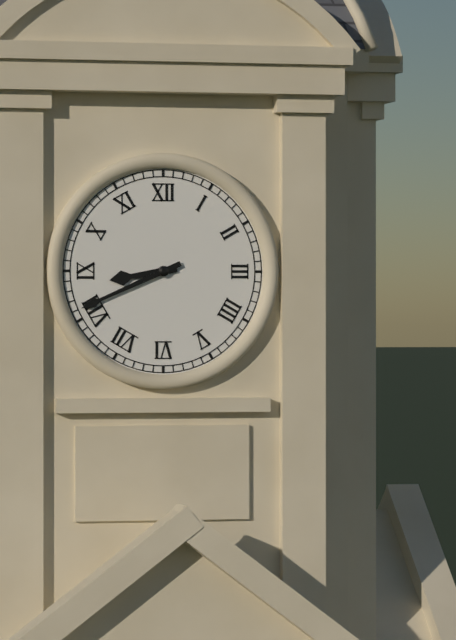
8:41
